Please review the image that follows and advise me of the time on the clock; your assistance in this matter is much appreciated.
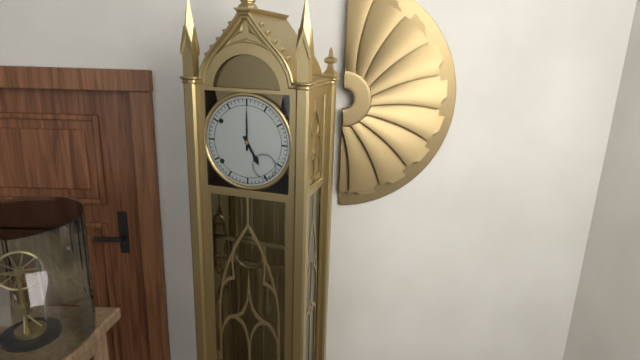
5:00
